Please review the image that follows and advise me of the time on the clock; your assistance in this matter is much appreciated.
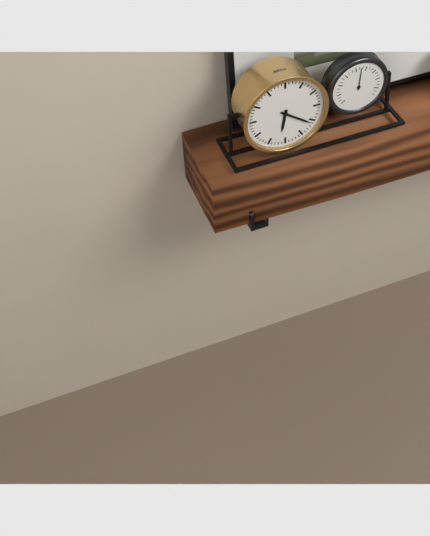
6:21
